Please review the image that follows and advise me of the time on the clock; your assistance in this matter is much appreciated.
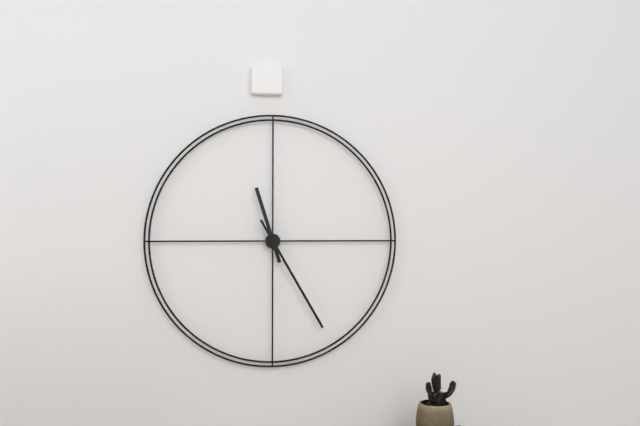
11:25
